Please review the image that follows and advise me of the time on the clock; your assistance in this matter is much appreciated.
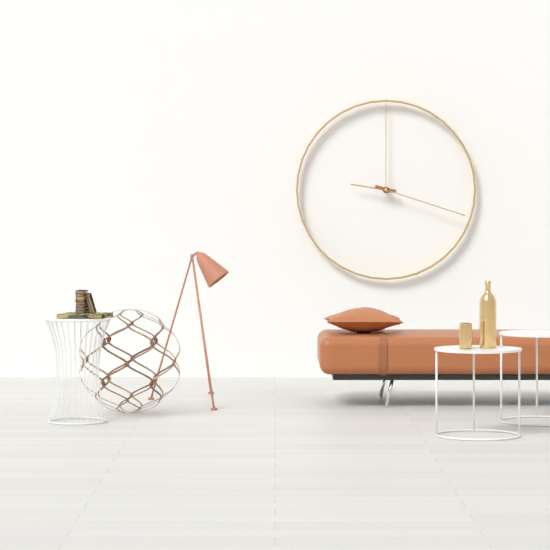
9:18
